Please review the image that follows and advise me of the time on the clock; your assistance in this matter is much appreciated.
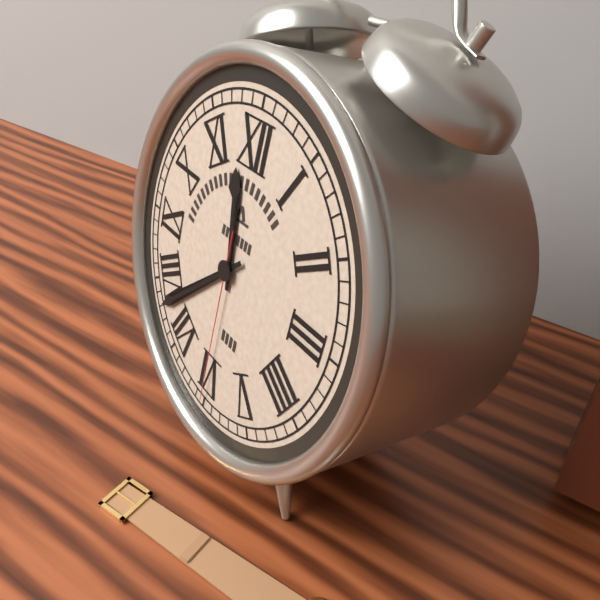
11:38:30
